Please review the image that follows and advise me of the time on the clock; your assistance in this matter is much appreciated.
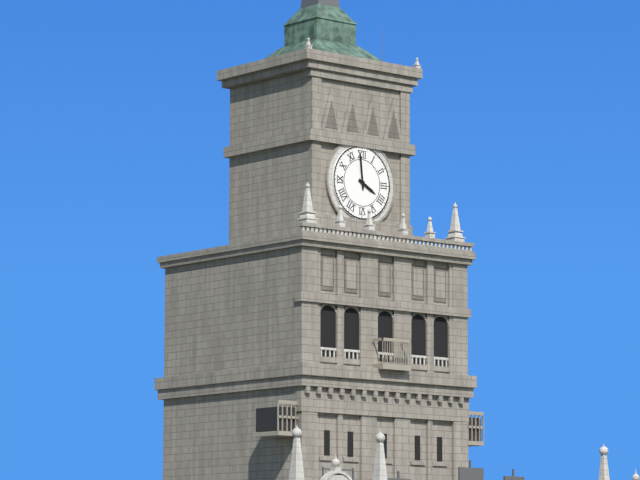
3:59
